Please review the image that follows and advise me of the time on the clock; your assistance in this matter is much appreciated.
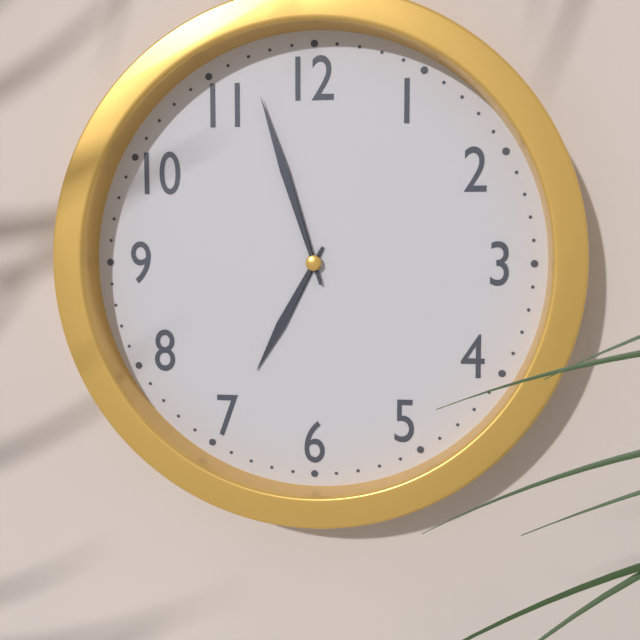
6:57
